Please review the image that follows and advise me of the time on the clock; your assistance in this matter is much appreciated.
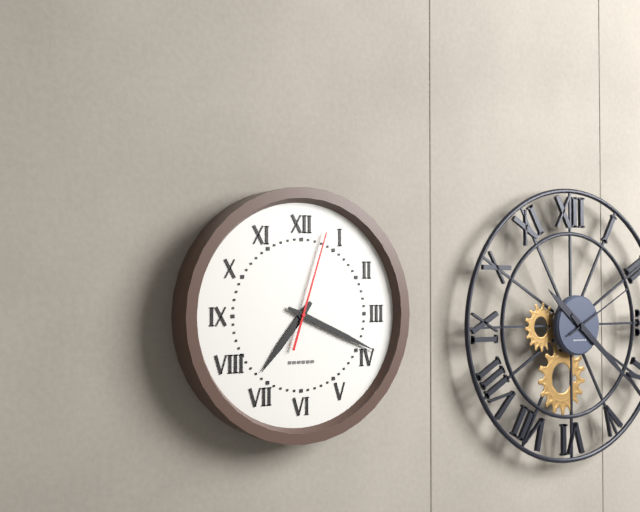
7:19:03
